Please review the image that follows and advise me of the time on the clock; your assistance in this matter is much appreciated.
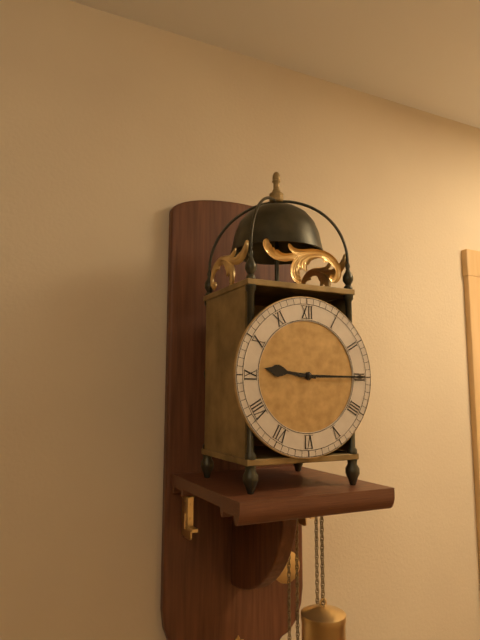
9:15
